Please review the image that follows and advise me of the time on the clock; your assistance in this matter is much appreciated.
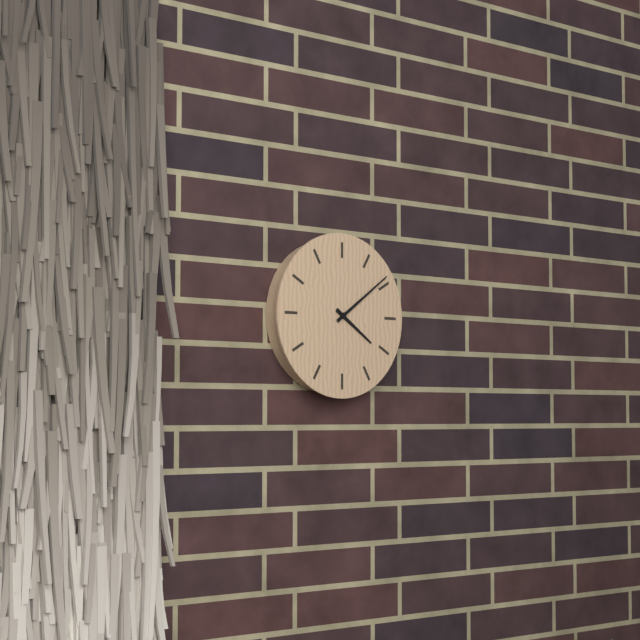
4:09
